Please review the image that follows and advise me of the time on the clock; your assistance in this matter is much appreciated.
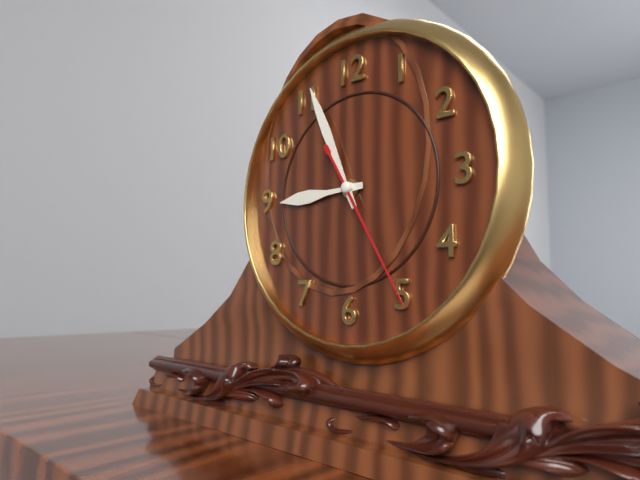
8:56:25
